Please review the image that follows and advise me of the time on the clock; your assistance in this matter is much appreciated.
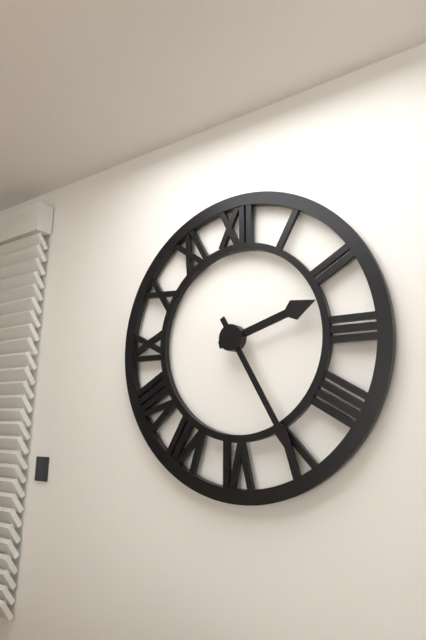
2:25
